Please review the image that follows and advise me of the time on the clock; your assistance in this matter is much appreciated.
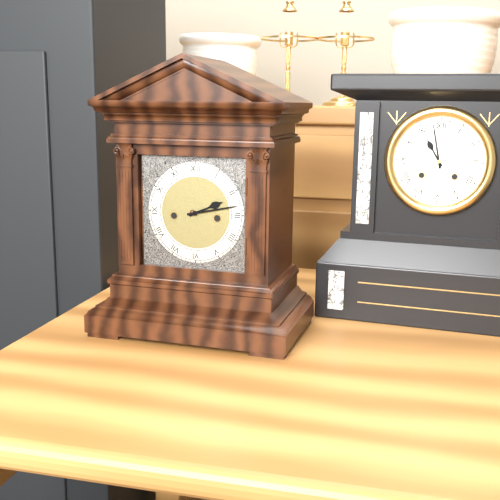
2:13
